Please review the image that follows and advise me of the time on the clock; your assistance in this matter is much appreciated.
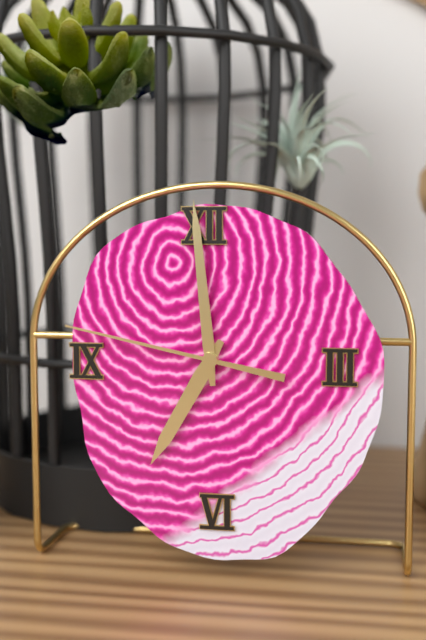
6:59:47
